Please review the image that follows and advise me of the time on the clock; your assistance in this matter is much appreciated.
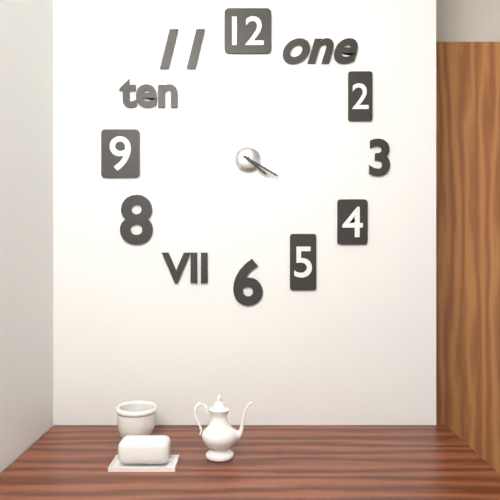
4:20
